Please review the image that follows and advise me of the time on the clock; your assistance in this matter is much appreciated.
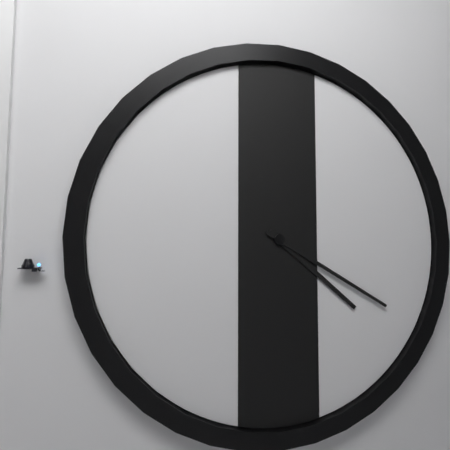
4:20
